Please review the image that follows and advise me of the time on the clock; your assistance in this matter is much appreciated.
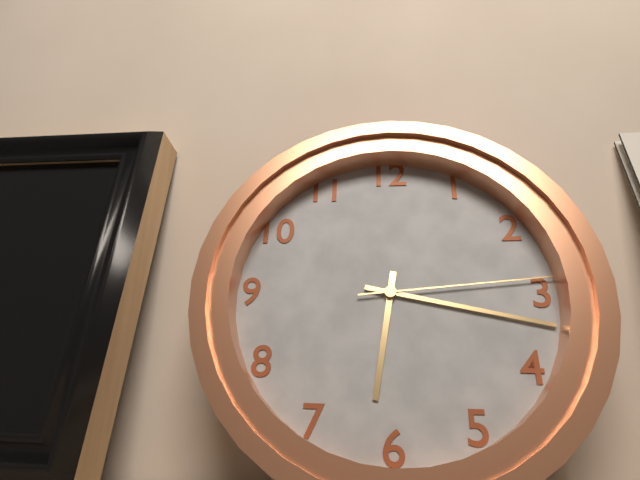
6:17:14
